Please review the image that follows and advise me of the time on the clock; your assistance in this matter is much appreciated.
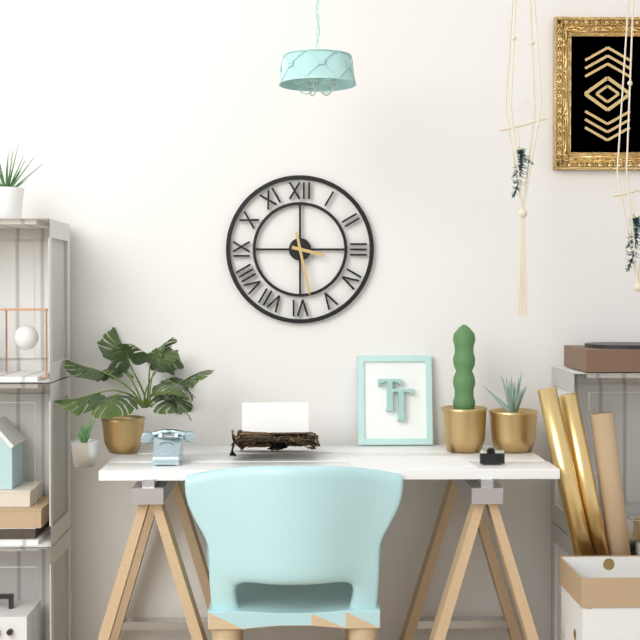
3:28
